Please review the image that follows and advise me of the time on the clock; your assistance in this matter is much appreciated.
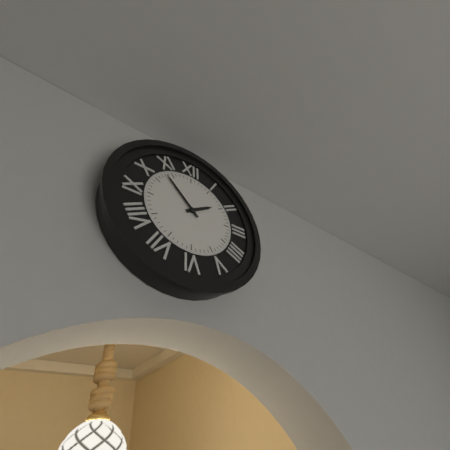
1:53
